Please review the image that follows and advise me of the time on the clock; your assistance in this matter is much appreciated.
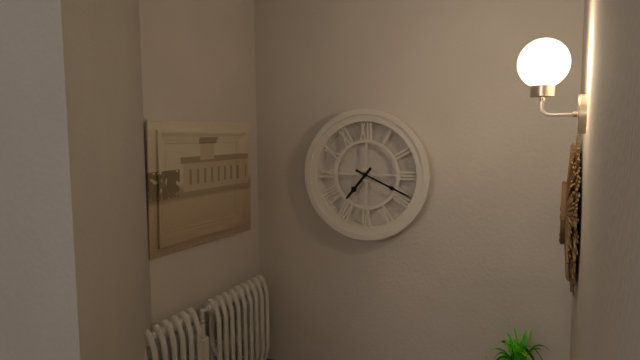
7:19
